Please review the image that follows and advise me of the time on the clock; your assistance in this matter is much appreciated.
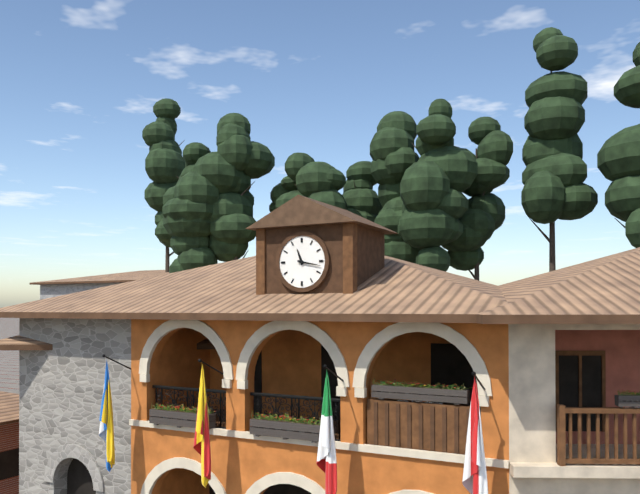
11:17
